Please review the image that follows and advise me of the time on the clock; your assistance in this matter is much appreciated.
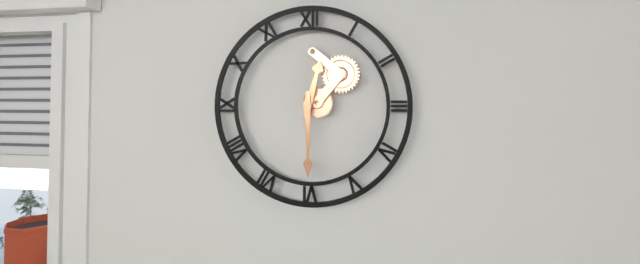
12:30
